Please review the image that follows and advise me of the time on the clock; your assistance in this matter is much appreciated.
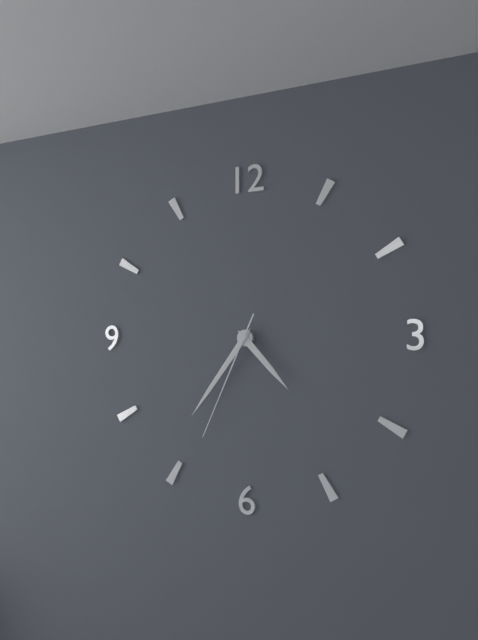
4:36:34
